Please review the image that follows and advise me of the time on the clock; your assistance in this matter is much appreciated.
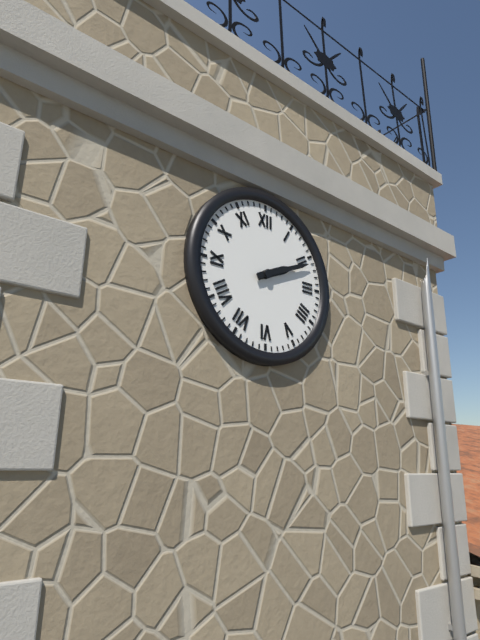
2:11
